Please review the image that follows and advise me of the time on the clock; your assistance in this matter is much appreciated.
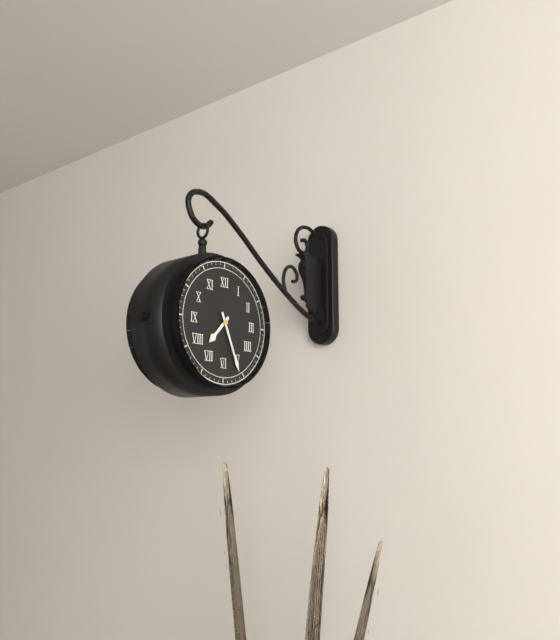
7:26
